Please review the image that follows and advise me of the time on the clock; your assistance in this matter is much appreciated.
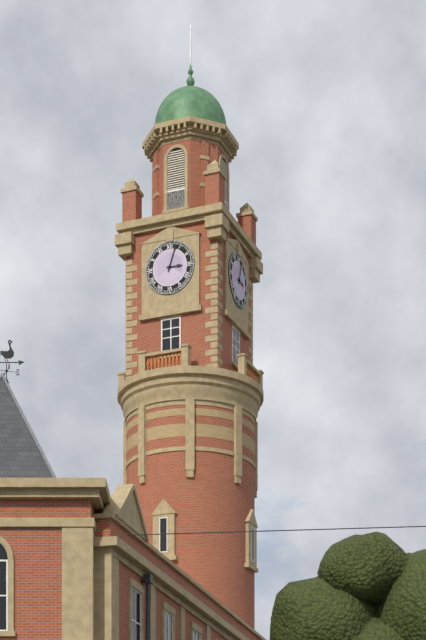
3:03
